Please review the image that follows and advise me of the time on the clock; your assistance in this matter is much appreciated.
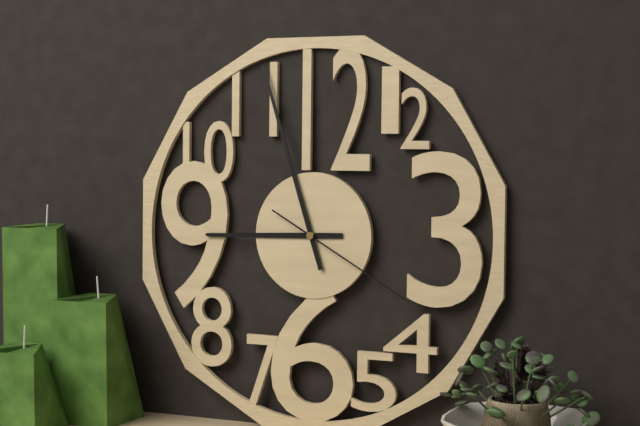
8:57:20
